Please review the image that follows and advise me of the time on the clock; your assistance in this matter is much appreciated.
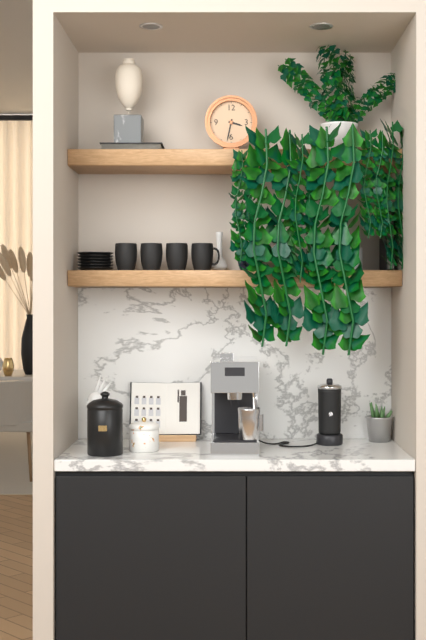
3:32
